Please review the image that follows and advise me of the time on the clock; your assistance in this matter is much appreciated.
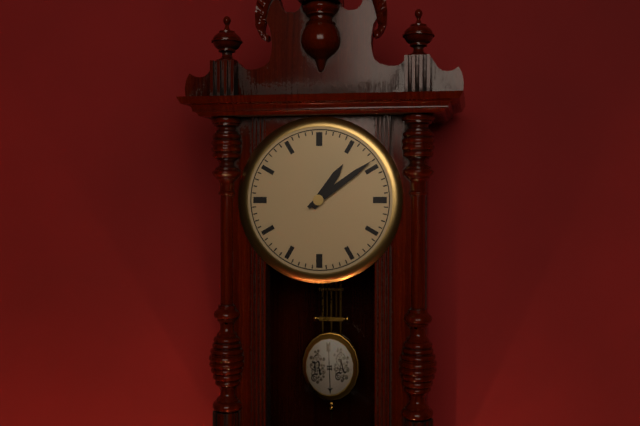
1:09
